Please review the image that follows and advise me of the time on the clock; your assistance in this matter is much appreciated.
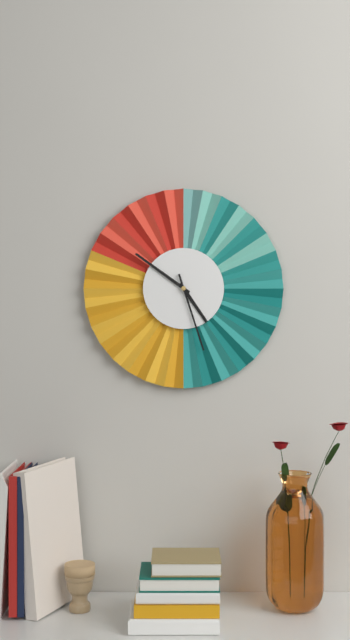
4:51:27
